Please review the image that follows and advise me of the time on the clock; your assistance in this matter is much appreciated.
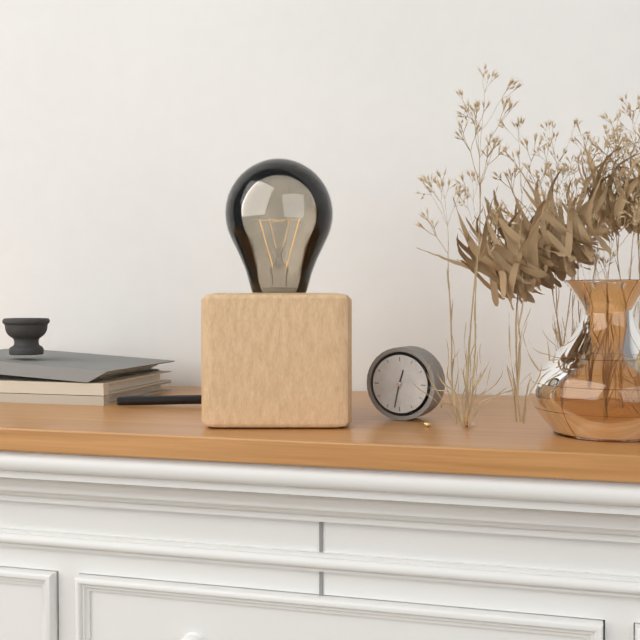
12:32
